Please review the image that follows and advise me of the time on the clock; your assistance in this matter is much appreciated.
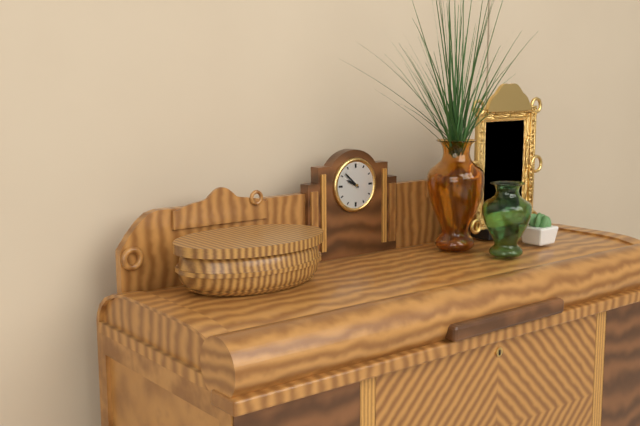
9:52
